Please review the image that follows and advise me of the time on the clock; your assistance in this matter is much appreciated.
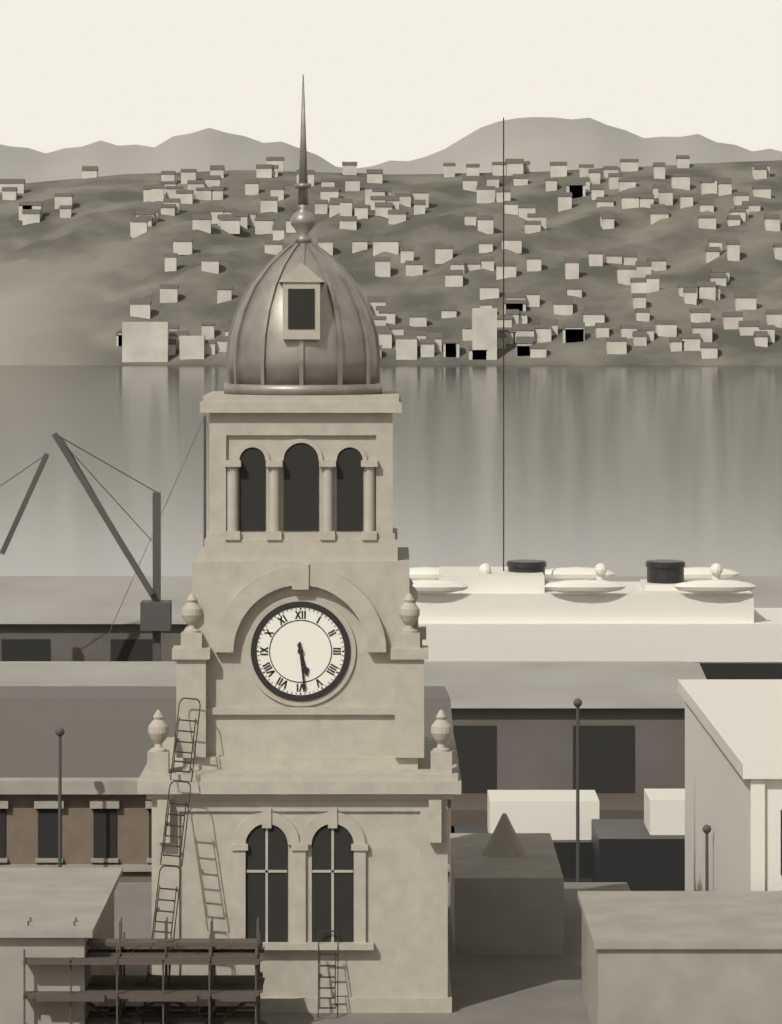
5:29
